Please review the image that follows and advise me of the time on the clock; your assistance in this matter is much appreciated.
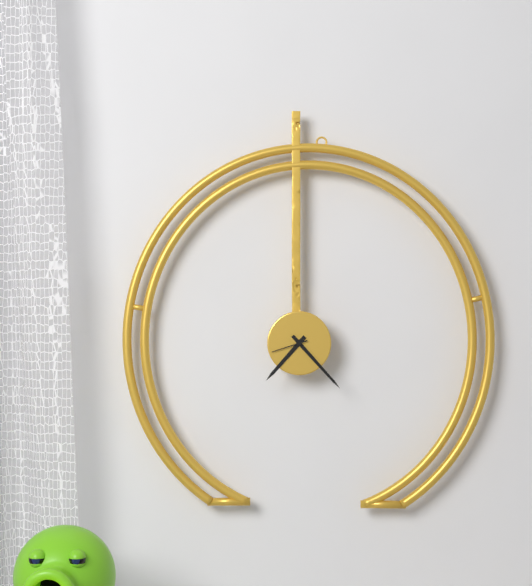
7:23
